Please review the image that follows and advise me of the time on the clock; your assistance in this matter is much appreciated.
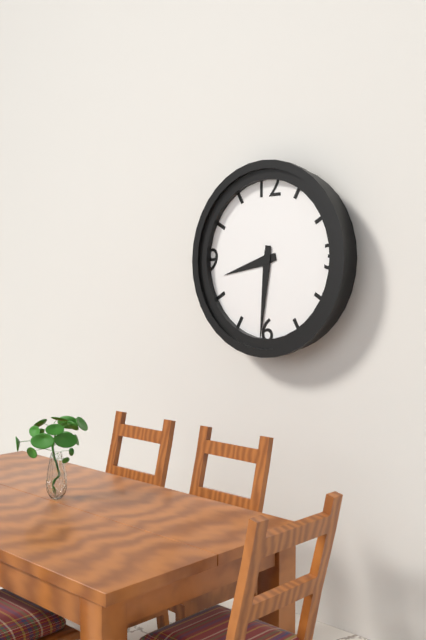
8:31
